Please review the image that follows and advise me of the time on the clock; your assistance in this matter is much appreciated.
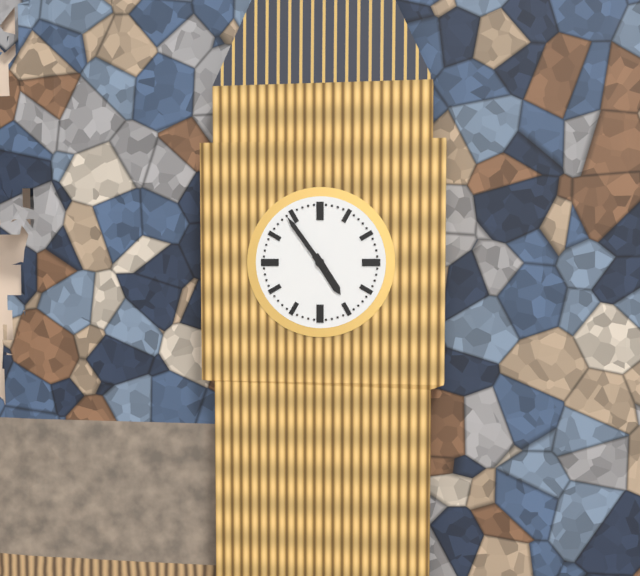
4:54
